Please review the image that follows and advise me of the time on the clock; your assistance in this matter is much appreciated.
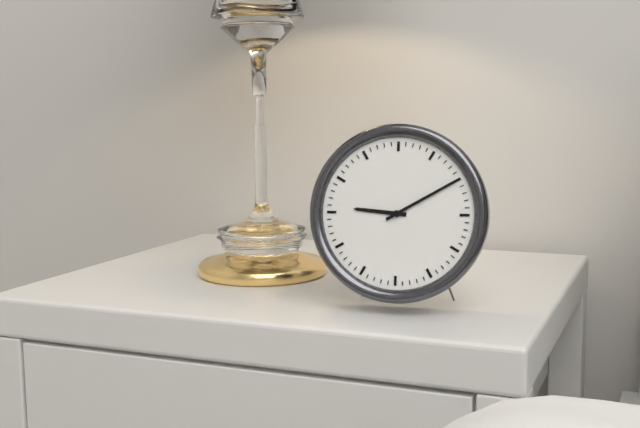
9:10
